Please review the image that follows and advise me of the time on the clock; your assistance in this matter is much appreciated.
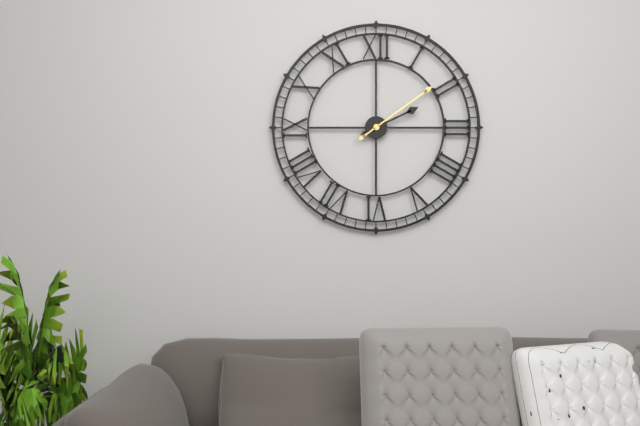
2:09
